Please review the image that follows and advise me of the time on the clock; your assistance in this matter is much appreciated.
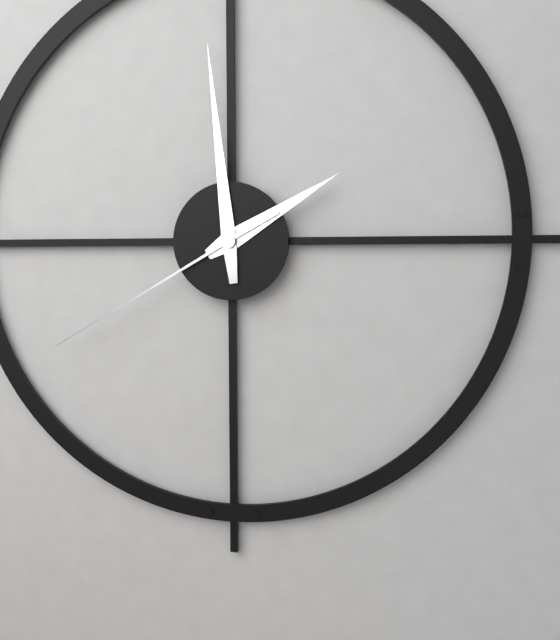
1:59:40
